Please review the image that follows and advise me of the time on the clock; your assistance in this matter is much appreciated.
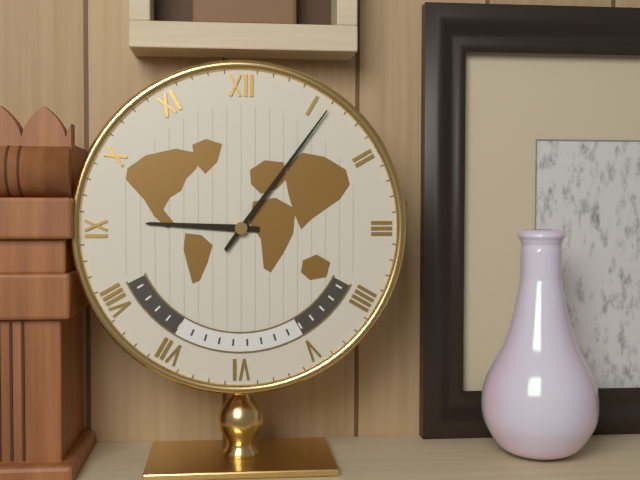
9:06
